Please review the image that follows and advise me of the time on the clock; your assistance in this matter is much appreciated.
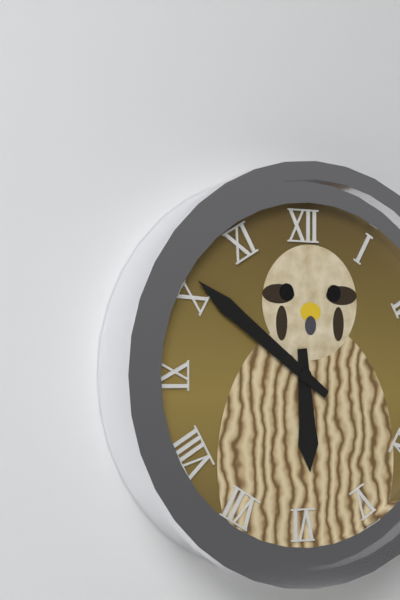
5:51
